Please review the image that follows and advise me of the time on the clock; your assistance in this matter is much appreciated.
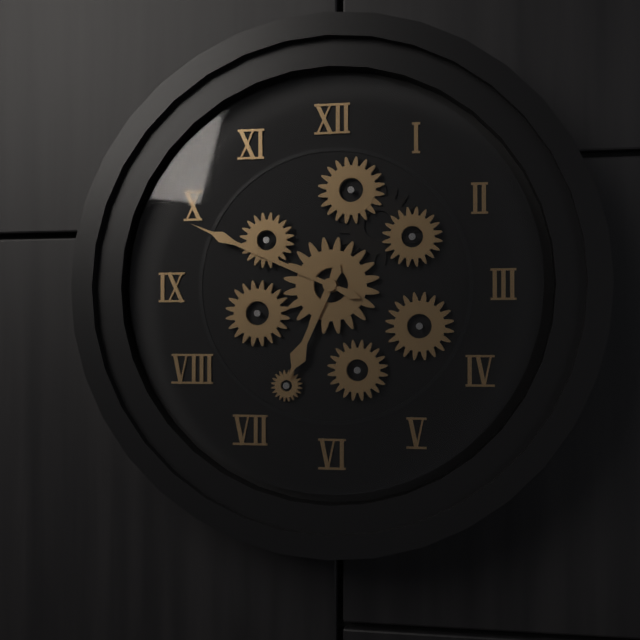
6:49
